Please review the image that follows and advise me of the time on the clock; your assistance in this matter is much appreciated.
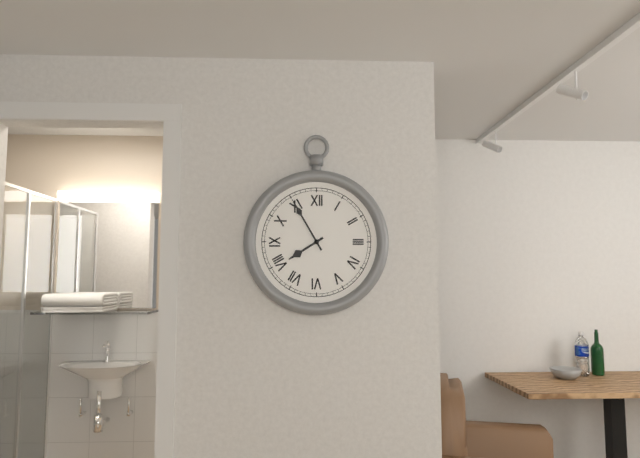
7:55
